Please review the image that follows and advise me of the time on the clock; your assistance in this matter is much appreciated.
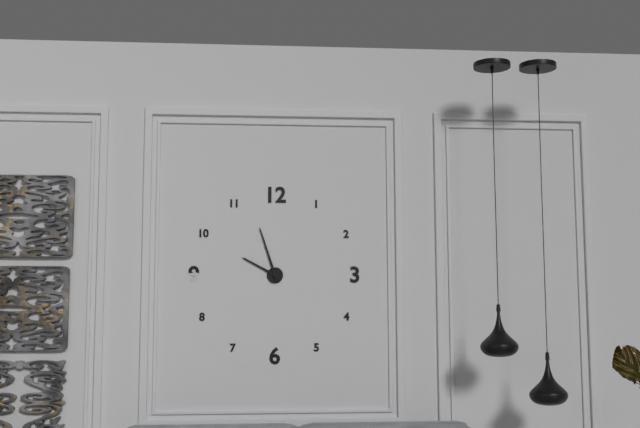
9:57
